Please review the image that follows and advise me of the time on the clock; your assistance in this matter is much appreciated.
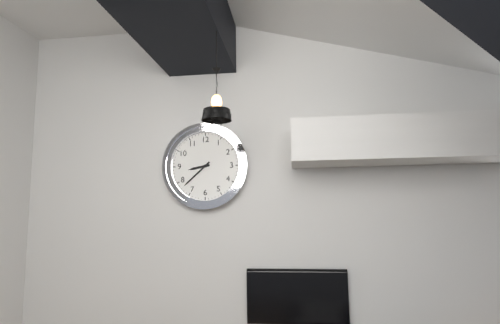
8:38
